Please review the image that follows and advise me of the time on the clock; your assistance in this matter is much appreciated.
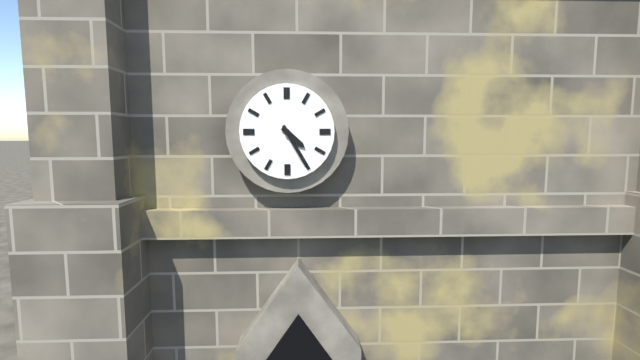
4:25
